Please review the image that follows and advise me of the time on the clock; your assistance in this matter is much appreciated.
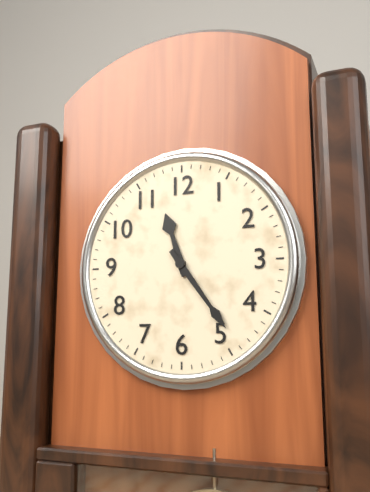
11:24
